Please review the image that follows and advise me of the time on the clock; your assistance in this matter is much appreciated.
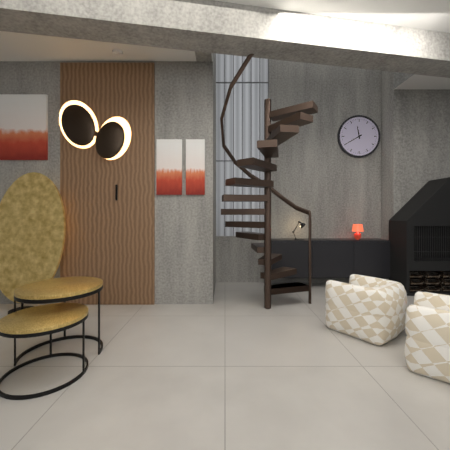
11:40
